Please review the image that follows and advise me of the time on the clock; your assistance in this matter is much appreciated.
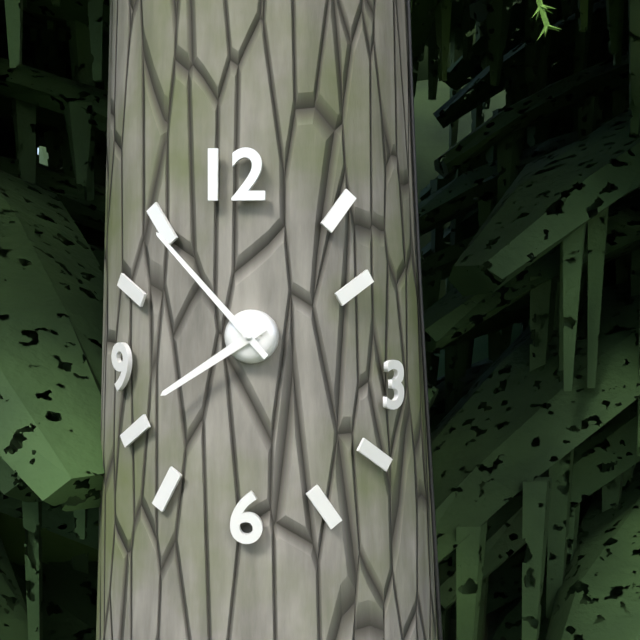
7:53
